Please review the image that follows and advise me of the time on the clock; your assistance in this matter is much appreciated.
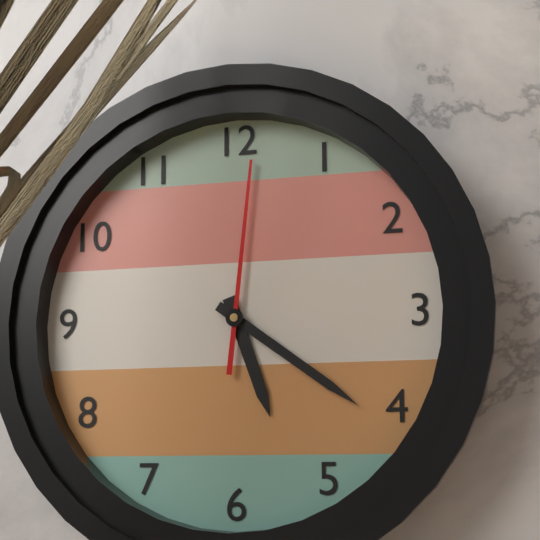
5:21:01
